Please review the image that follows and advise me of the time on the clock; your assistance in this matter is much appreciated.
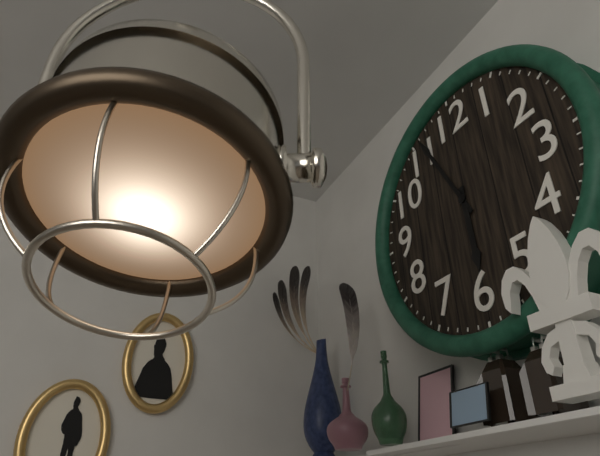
5:56
